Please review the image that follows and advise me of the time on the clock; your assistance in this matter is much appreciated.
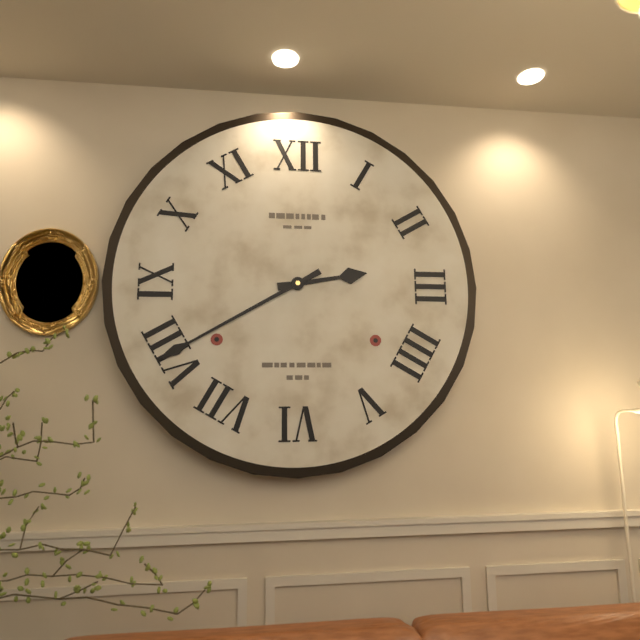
2:40
